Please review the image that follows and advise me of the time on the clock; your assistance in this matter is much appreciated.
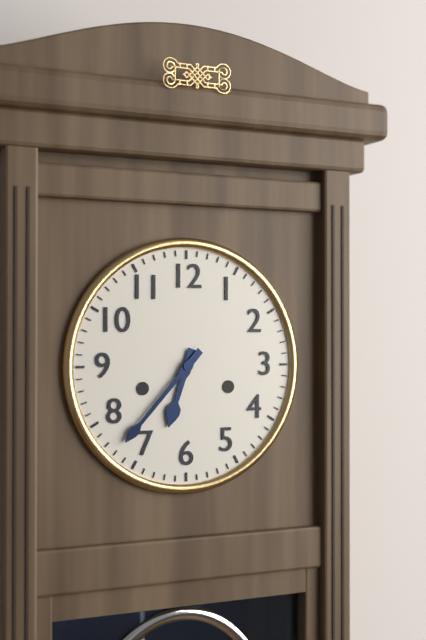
6:37
